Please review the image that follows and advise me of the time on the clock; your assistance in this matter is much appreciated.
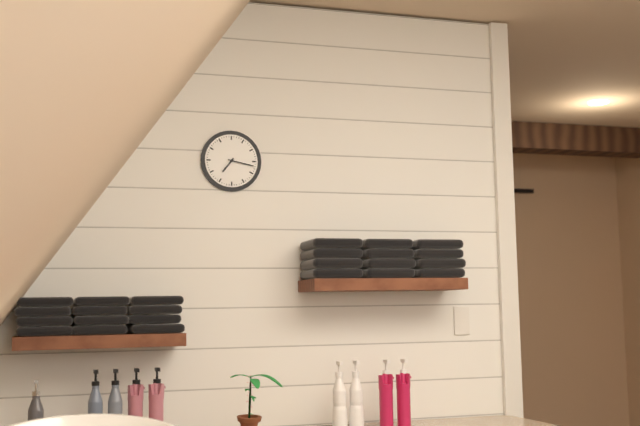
7:17
